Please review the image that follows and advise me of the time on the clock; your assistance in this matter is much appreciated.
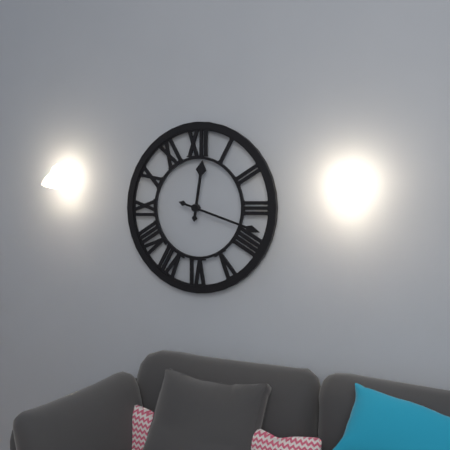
12:18
